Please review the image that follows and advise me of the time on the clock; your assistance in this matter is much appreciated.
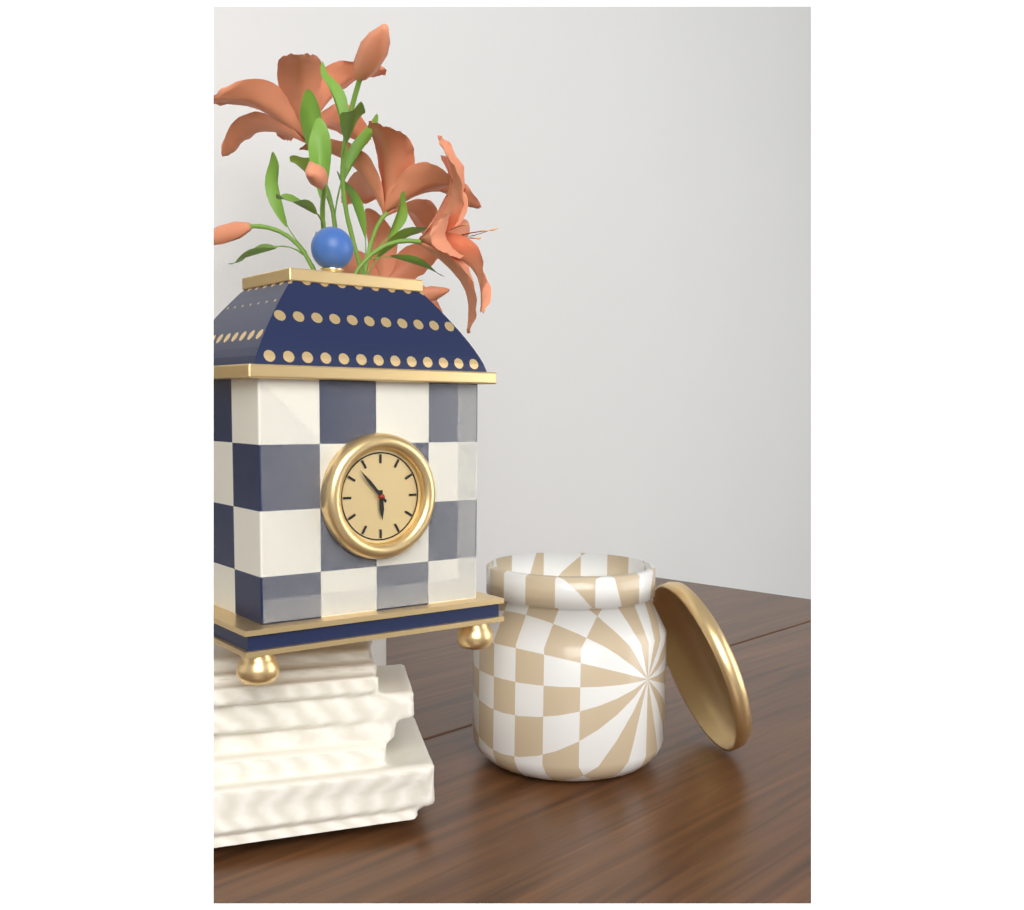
5:53
